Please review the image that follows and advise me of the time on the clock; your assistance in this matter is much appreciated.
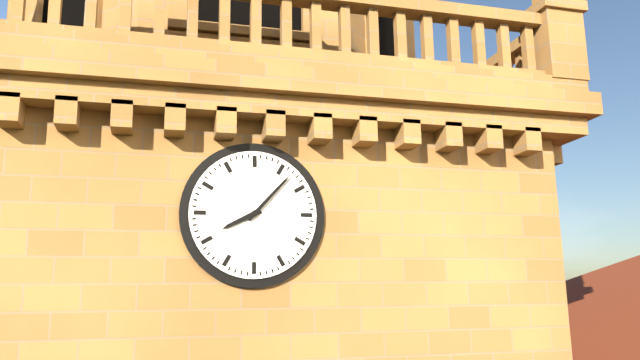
8:07
